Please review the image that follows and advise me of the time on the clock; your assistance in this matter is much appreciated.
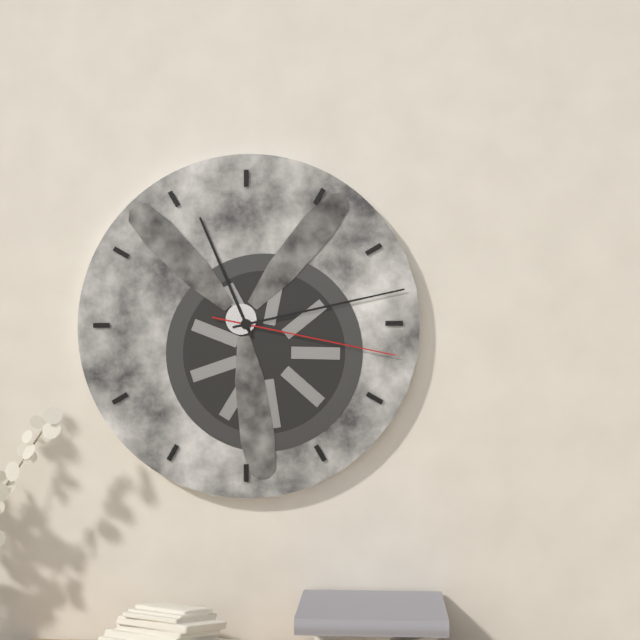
11:13:17
